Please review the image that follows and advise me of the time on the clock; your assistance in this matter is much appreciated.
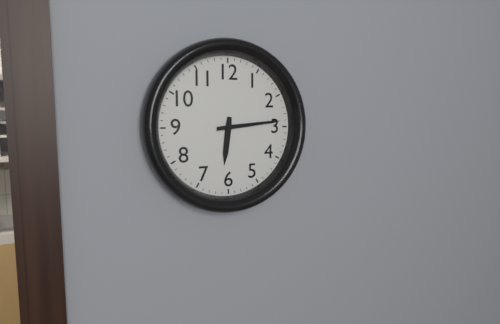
6:14
